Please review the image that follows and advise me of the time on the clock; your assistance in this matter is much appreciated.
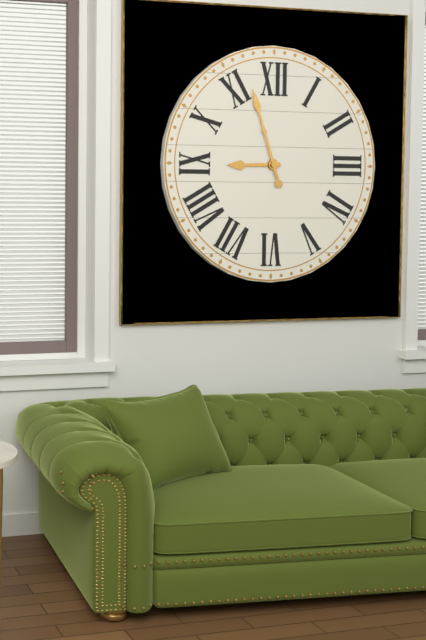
8:57
